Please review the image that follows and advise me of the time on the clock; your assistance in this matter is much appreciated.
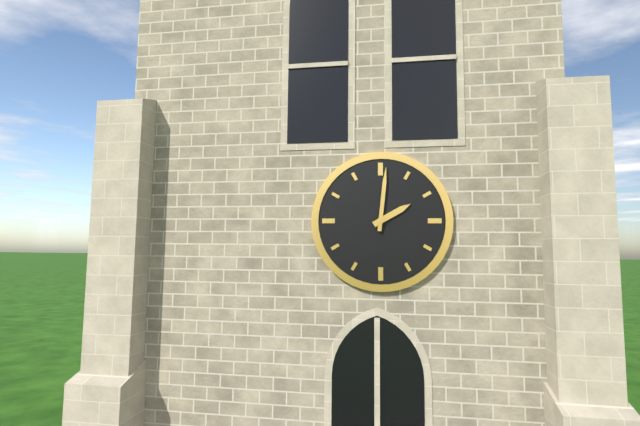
2:01
